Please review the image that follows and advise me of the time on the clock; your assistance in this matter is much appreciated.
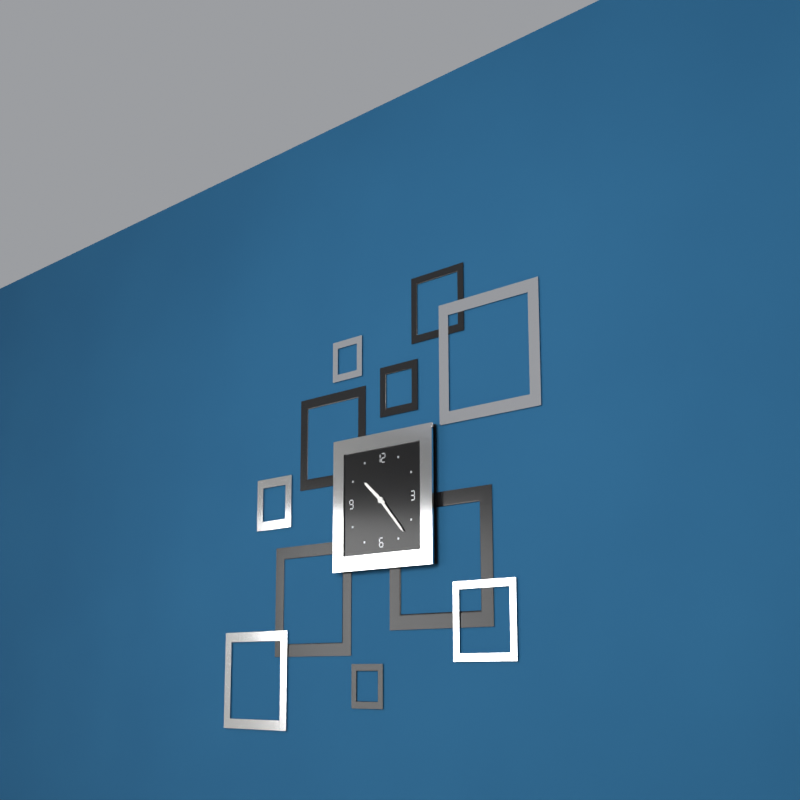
10:23
